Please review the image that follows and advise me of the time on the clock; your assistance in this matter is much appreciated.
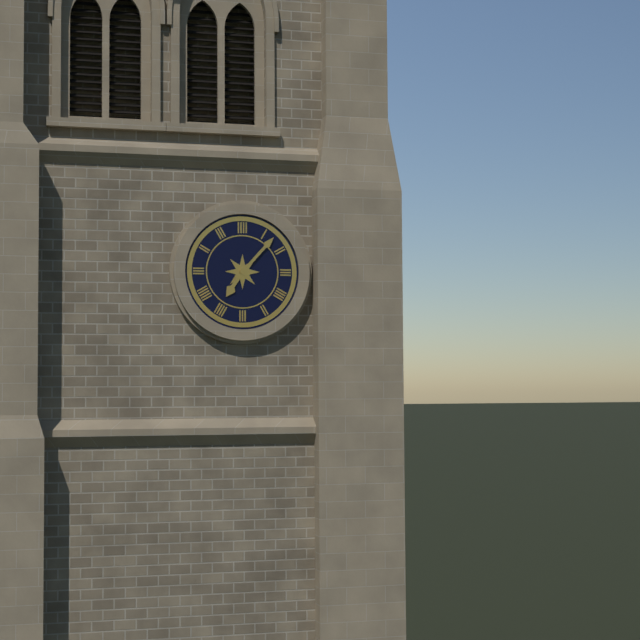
7:07
